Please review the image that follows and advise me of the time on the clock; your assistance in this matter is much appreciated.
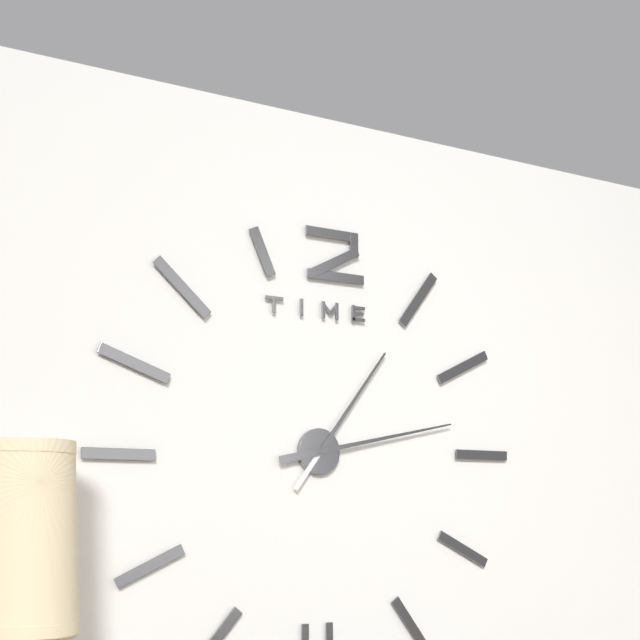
1:13
